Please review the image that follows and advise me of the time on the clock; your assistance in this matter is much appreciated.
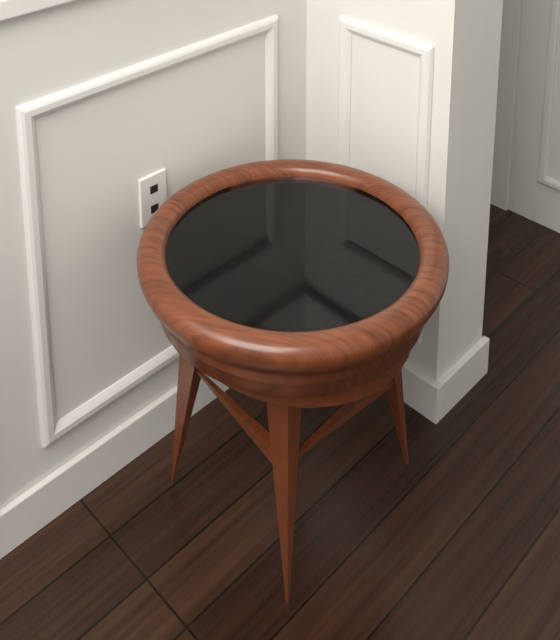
8:45
